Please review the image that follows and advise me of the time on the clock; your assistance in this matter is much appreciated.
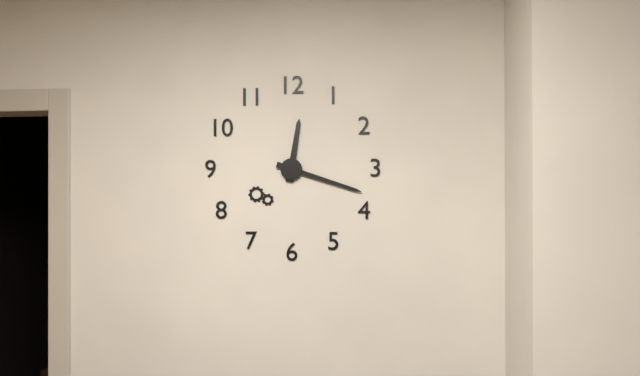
12:18
